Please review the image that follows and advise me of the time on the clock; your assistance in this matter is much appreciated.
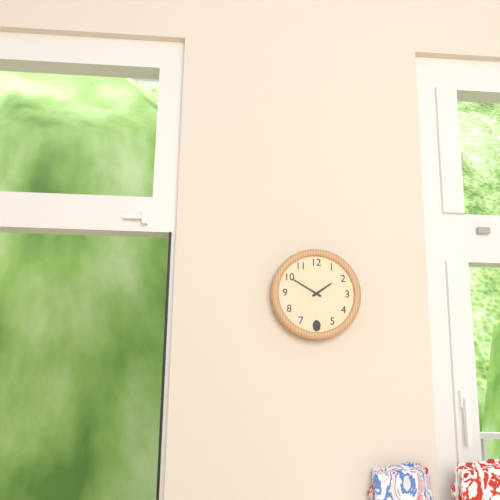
1:50
